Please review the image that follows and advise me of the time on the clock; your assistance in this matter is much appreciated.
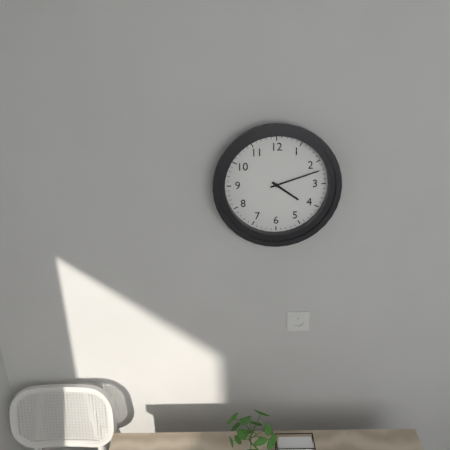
4:12
